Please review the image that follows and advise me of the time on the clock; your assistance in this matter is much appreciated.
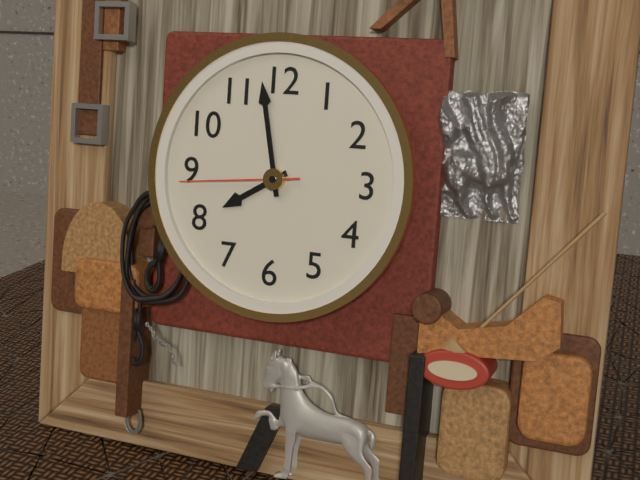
7:58:44
